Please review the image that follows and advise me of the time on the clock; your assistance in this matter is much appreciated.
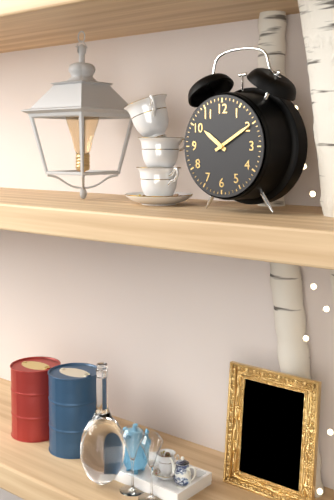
10:10
